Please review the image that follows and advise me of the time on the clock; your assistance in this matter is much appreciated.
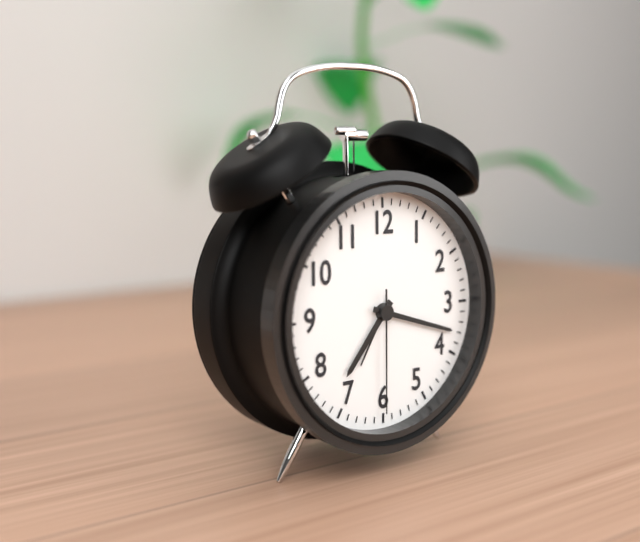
7:18:30
